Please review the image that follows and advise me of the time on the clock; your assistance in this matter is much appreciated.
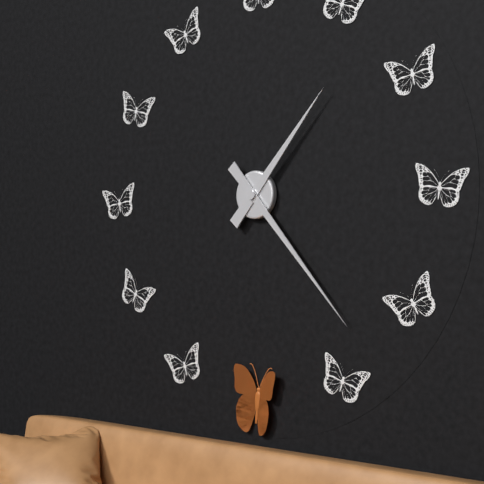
1:23
